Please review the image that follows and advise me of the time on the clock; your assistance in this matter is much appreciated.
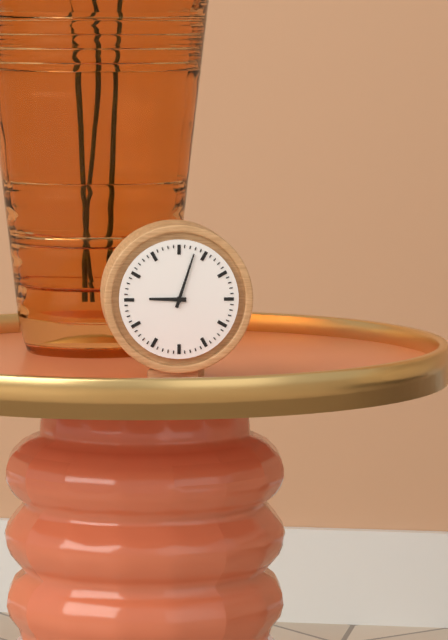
9:03
